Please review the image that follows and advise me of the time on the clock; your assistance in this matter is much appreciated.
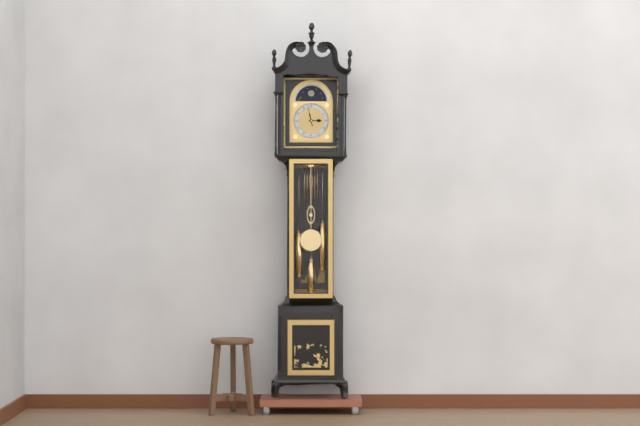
2:58
